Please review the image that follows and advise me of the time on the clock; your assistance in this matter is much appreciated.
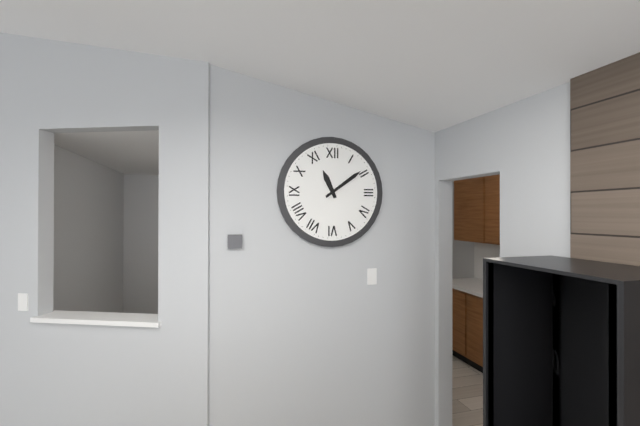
11:09
